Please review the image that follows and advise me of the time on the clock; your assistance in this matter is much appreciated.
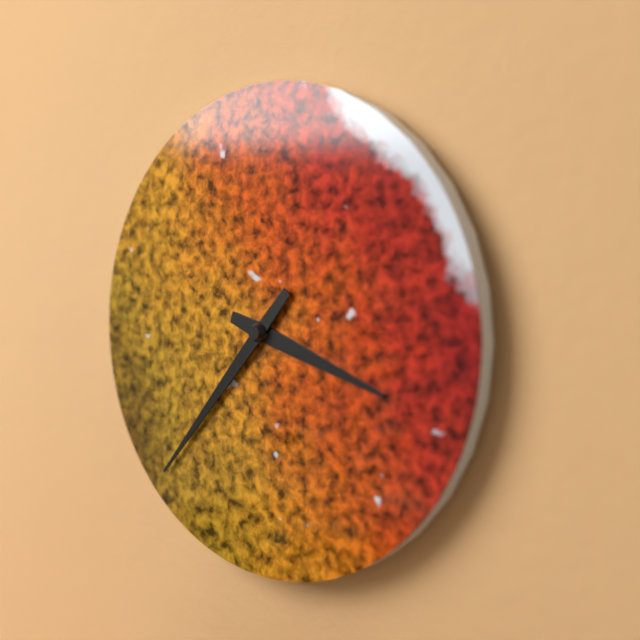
3:37
